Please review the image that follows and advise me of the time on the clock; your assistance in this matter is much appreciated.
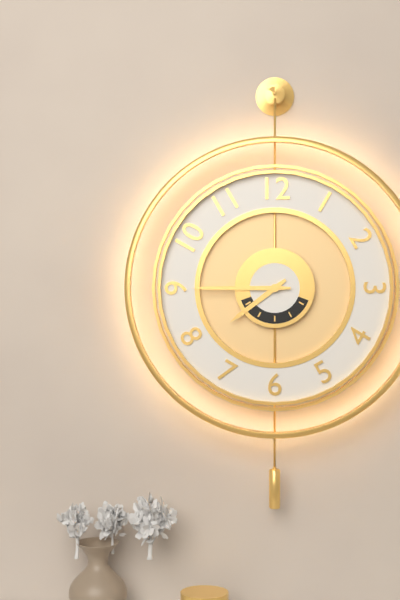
7:45
